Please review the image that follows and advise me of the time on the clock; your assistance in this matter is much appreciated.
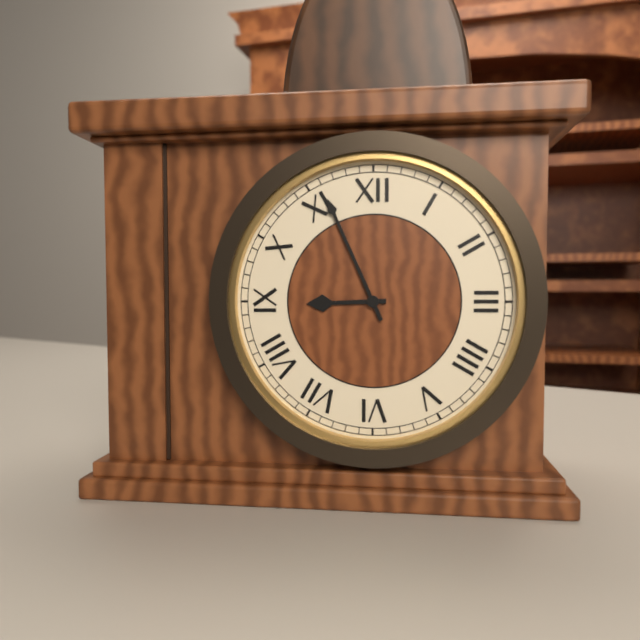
8:56
